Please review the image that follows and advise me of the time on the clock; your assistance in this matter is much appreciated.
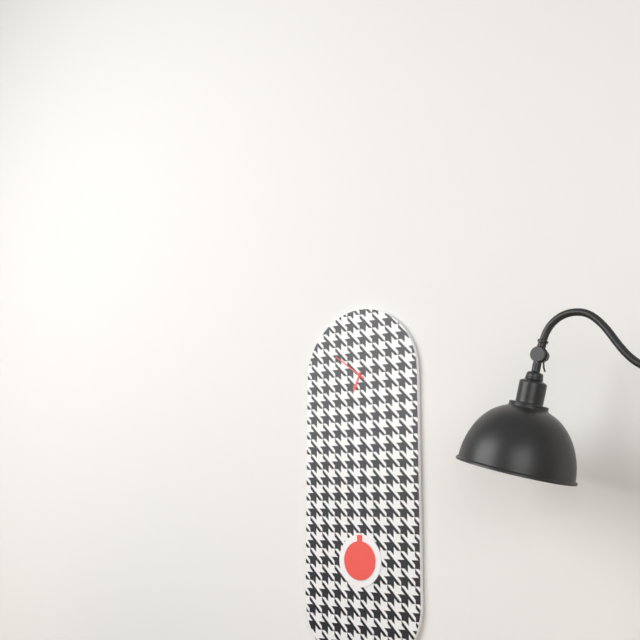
6:51
